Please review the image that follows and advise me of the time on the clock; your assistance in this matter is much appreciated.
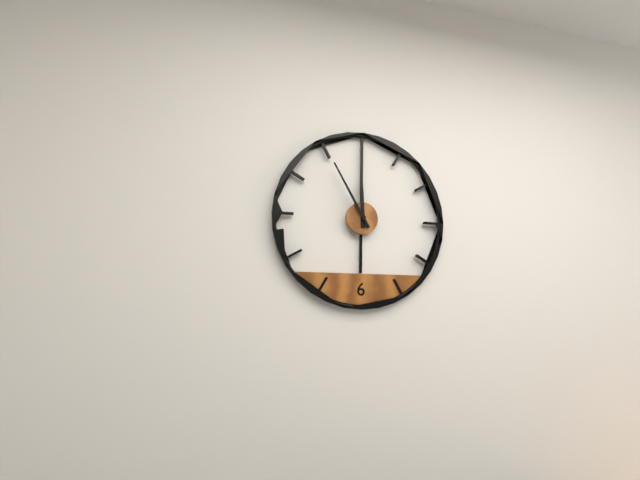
11:55
